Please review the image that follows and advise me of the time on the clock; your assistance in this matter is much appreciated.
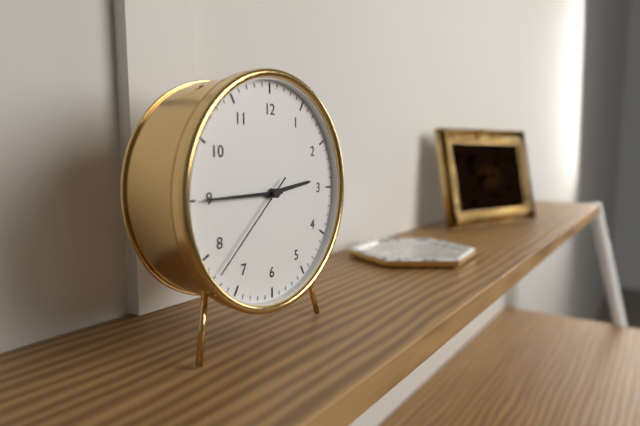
2:45:38
